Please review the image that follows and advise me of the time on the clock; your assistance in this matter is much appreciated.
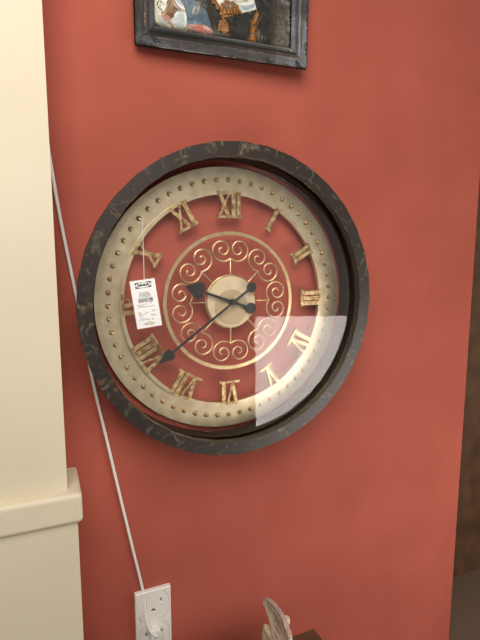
9:39
